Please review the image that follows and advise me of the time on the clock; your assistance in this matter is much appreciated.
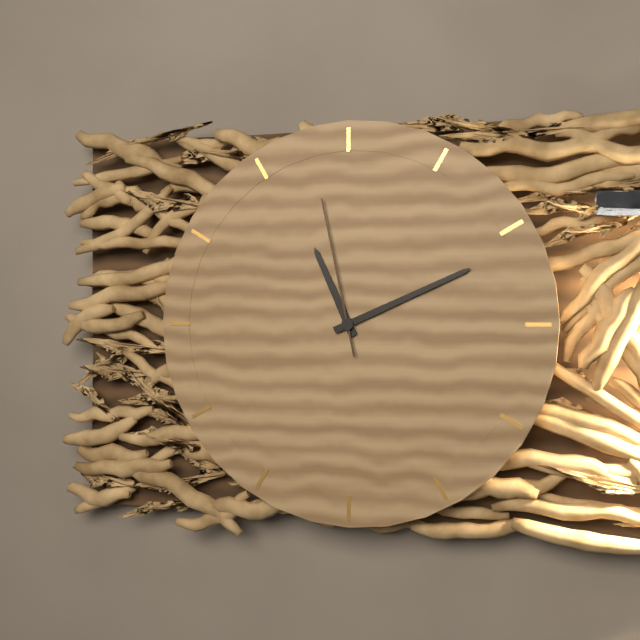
11:11:58
